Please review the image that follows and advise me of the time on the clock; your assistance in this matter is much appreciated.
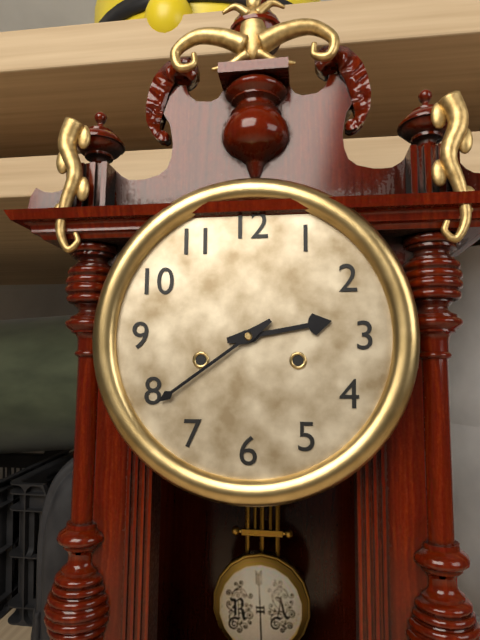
2:39
